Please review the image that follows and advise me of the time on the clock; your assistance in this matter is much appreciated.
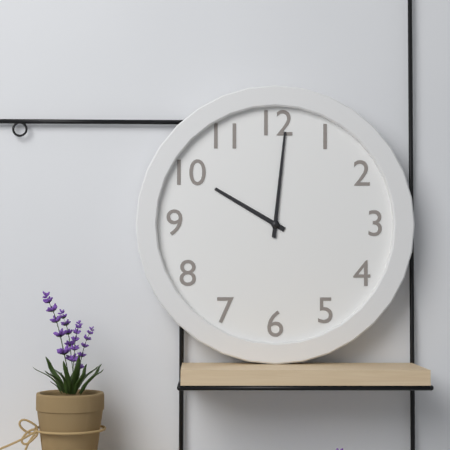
10:01
